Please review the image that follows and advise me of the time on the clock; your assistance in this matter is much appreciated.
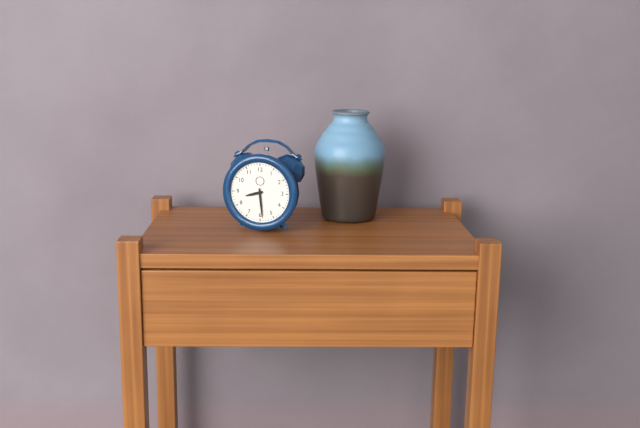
8:29
